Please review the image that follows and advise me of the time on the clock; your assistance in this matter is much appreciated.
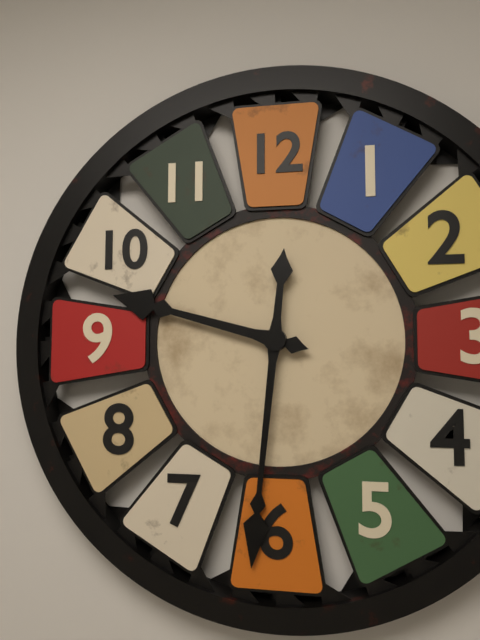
9:31
